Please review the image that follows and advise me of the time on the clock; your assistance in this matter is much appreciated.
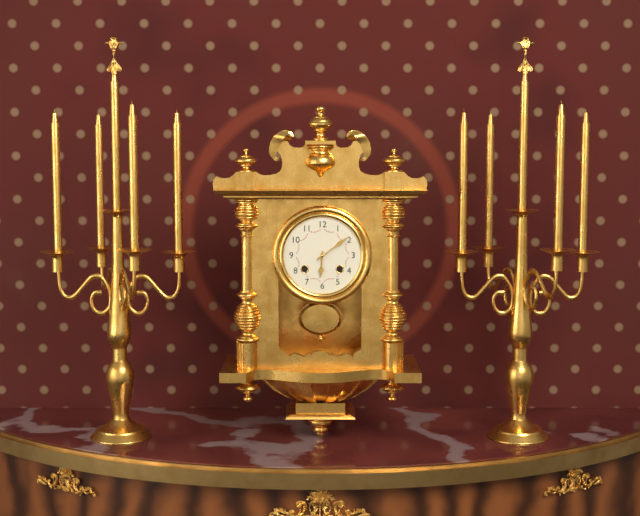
6:09
